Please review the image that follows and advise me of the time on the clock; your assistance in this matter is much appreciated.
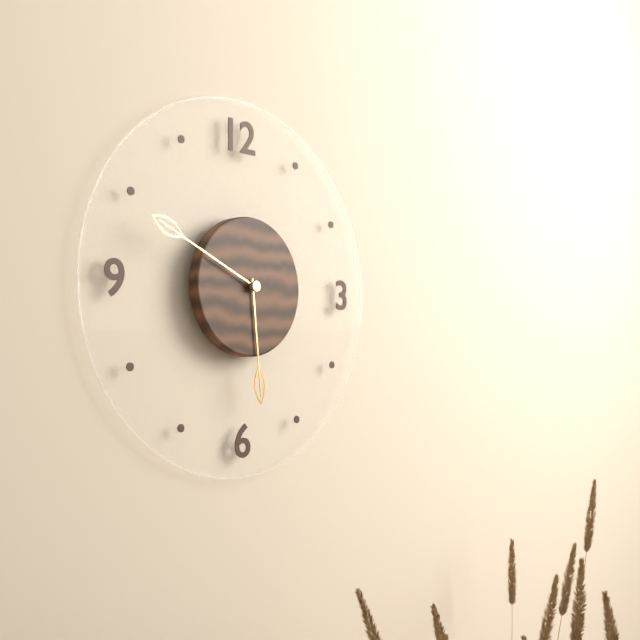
5:49
